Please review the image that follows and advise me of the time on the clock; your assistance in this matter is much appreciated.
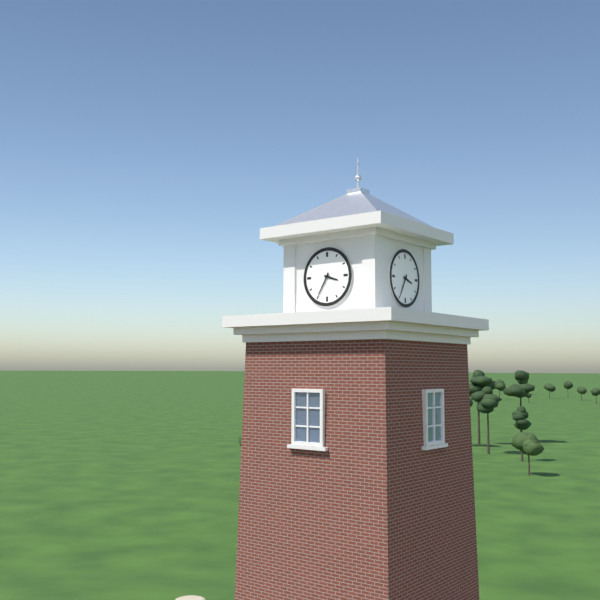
3:35
